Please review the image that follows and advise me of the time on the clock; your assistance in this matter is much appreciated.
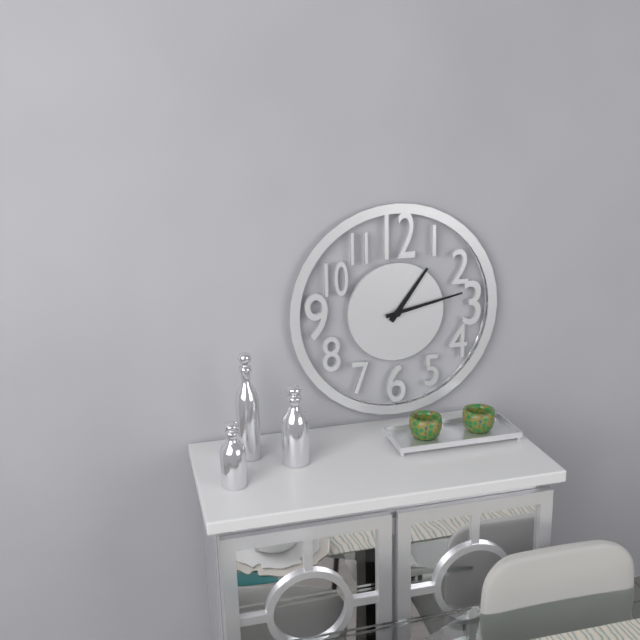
1:13
